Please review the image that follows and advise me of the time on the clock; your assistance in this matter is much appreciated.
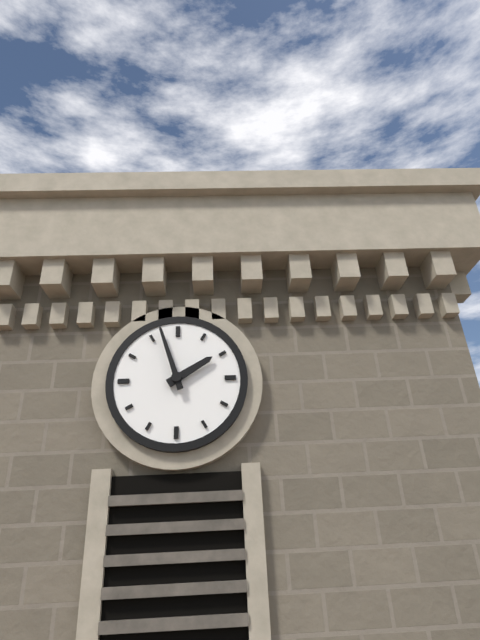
1:57
